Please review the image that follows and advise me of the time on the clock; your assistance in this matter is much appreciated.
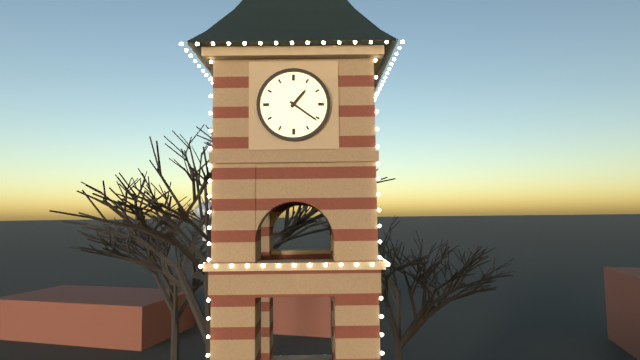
1:21
